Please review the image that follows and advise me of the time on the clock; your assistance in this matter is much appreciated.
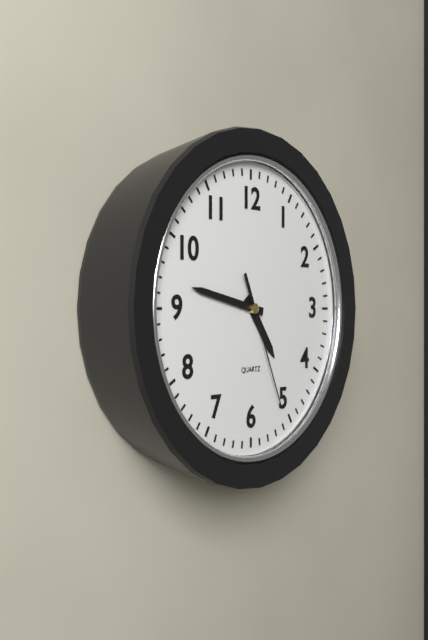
4:47:26
